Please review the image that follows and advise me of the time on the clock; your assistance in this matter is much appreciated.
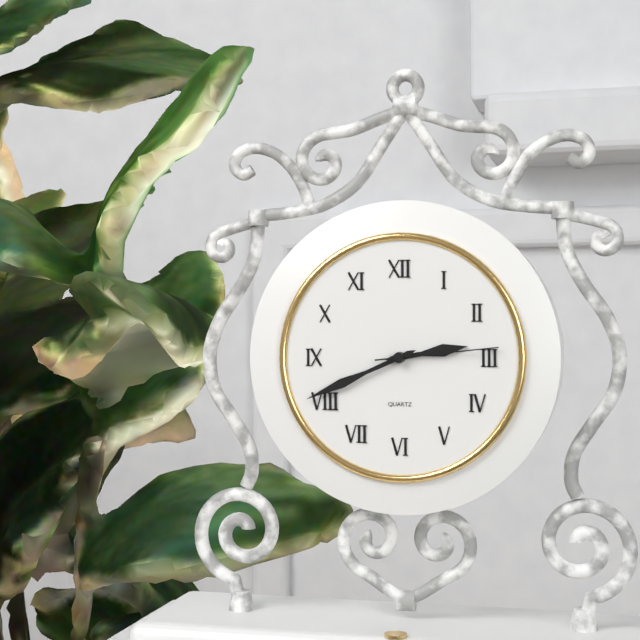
2:41:14
